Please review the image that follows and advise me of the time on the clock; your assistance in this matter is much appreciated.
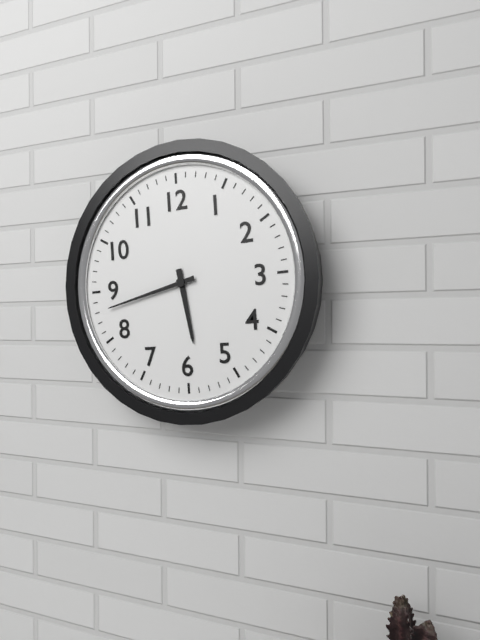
5:43
